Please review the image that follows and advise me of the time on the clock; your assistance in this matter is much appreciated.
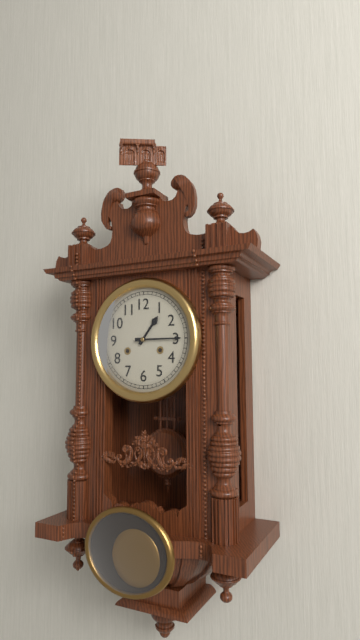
1:15
